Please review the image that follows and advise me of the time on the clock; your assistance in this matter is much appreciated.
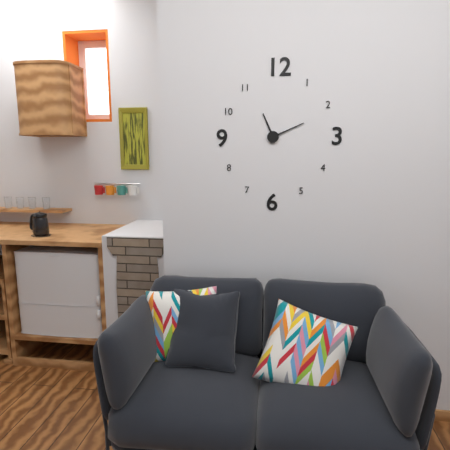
11:11
